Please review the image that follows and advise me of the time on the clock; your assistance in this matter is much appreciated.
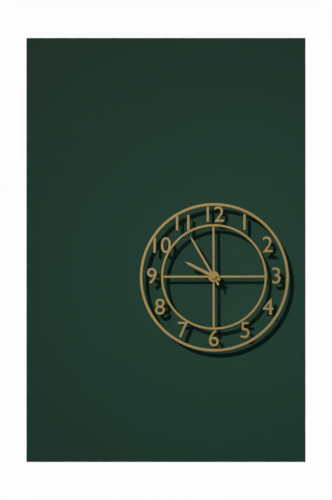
9:55
